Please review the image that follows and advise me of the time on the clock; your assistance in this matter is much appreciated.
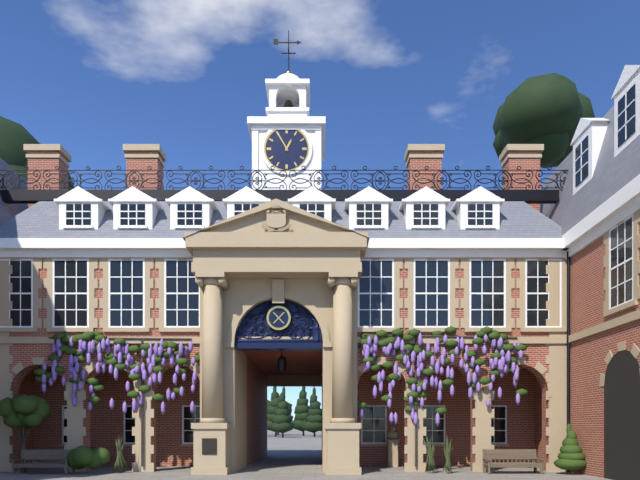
12:55
